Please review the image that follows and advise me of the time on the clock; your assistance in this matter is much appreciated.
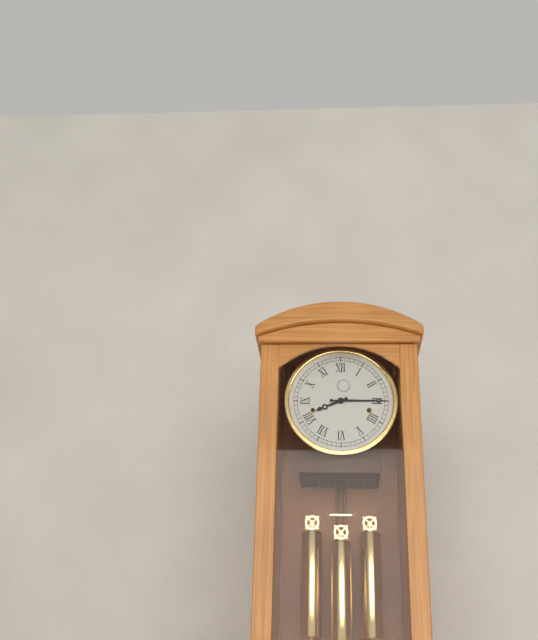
8:15
